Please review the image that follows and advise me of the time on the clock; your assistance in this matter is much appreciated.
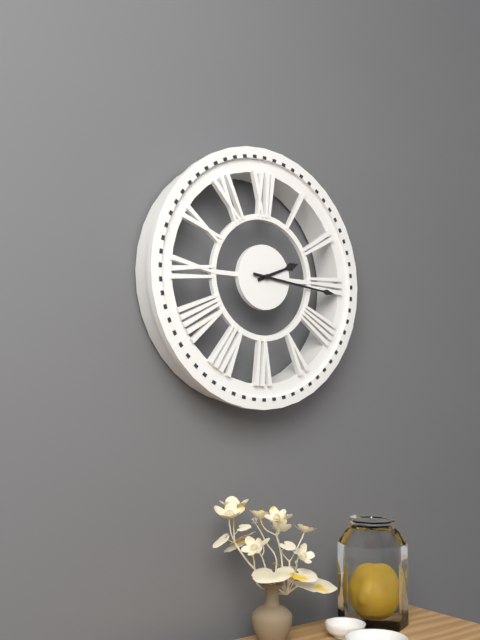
2:16
